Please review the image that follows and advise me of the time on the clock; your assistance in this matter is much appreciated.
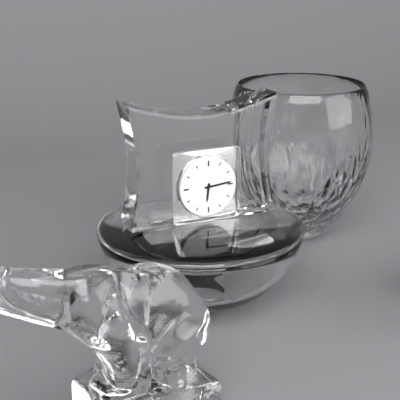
6:14
